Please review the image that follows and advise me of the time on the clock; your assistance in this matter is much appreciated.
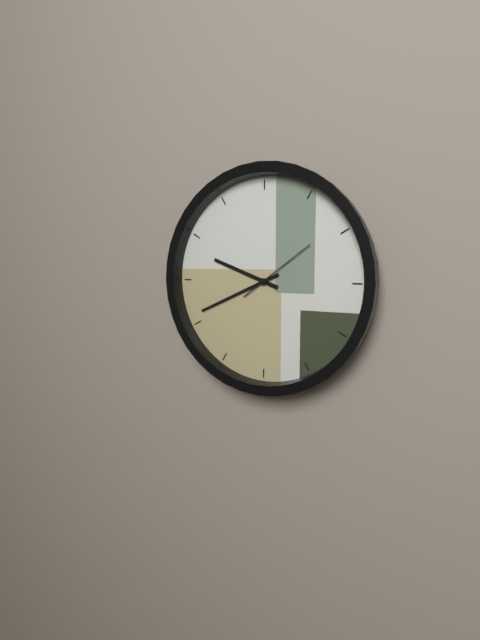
9:41:09
